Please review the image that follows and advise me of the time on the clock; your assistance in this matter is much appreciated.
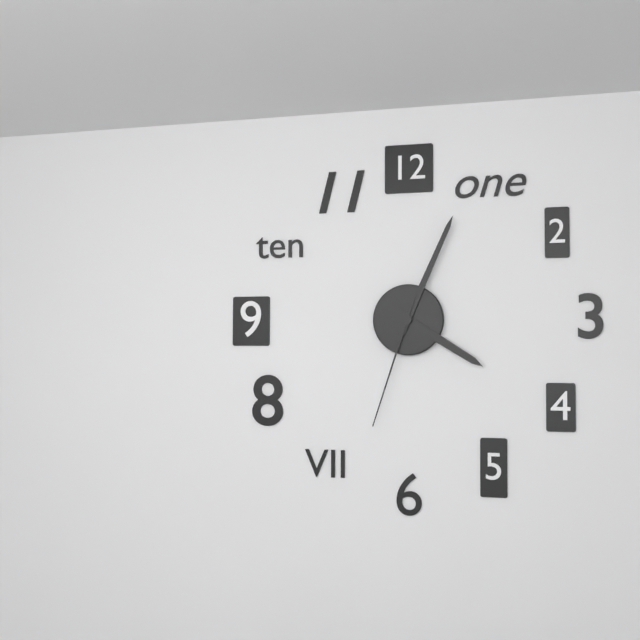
4:04:33
